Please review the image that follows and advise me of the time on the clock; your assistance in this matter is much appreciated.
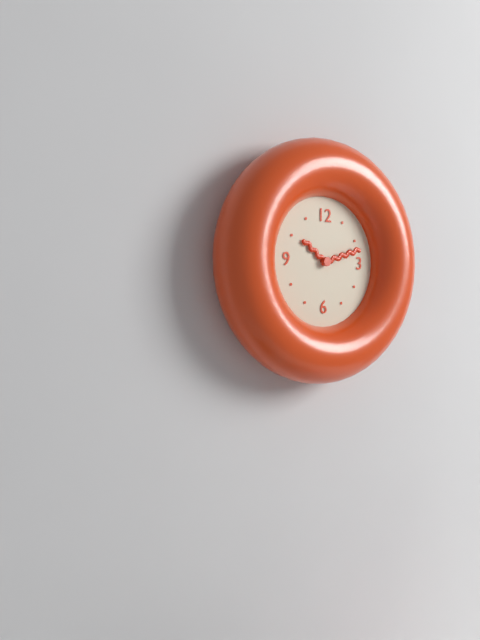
10:12
